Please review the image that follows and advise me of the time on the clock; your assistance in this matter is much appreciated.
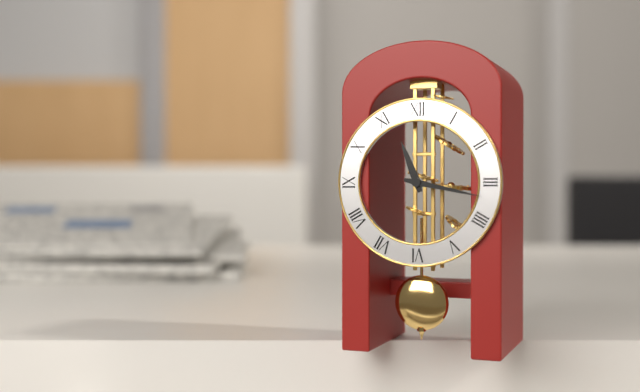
11:17
